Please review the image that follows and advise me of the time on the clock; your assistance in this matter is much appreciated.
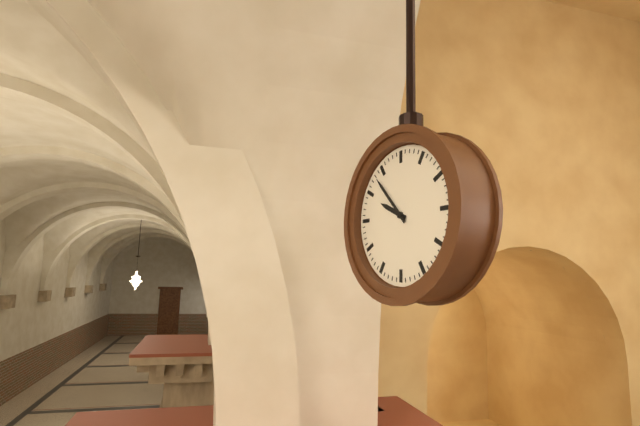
9:53
